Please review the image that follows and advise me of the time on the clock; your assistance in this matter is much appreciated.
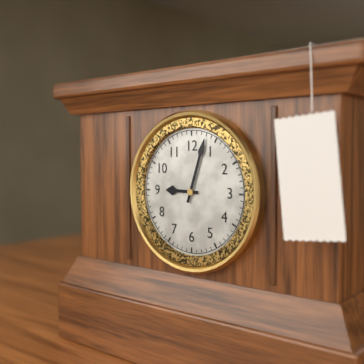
9:03
